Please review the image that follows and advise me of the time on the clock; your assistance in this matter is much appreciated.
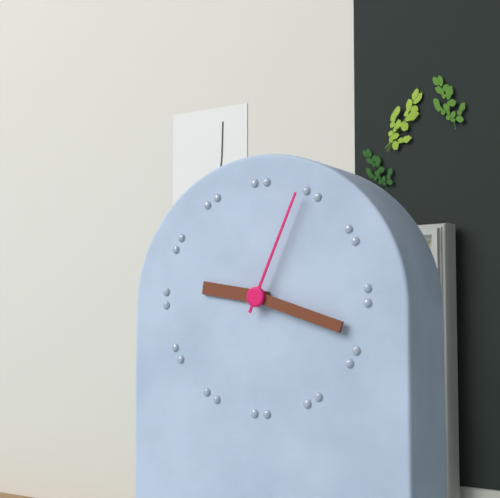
9:18:04
